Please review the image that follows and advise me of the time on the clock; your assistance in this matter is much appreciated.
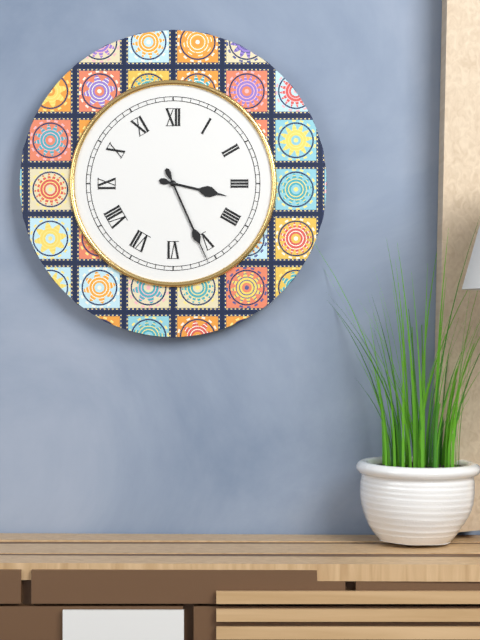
3:26
